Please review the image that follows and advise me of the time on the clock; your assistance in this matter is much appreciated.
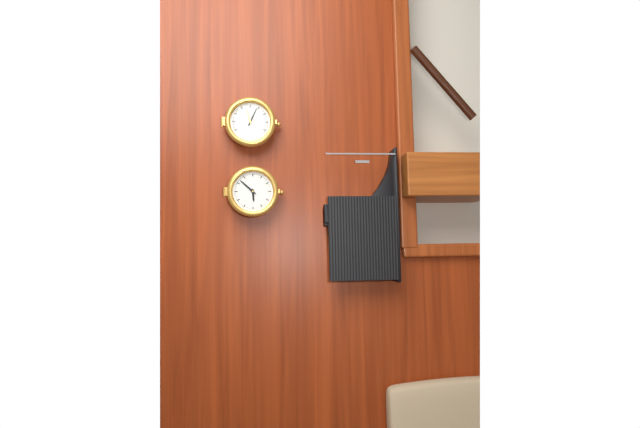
5:52
